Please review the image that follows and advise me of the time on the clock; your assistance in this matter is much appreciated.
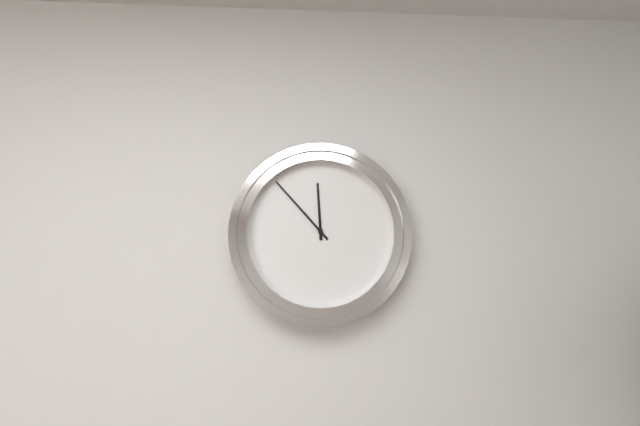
11:53
